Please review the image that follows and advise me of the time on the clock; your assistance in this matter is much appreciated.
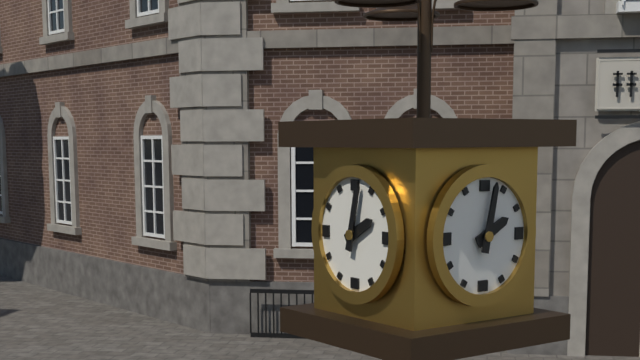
2:02
